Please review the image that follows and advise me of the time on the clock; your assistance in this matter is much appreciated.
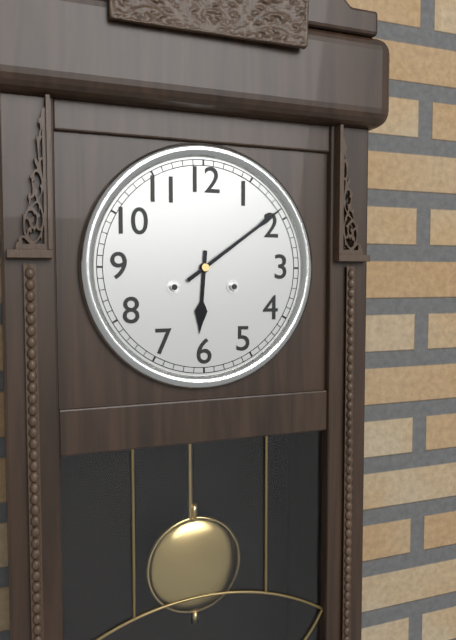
6:09
